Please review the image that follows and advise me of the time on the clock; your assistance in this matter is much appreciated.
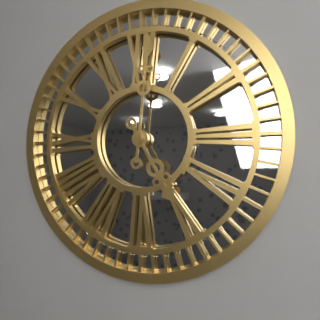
5:01
